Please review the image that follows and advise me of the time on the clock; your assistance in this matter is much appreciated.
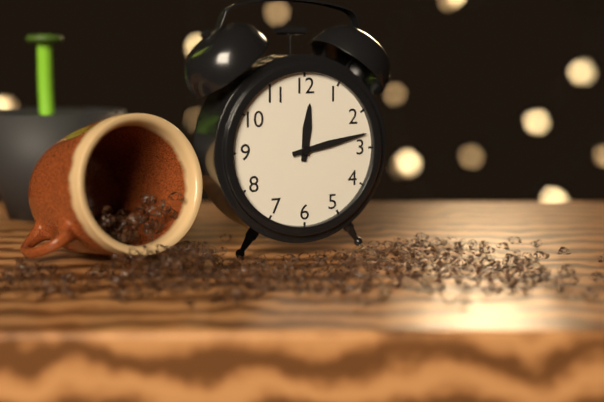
12:13
